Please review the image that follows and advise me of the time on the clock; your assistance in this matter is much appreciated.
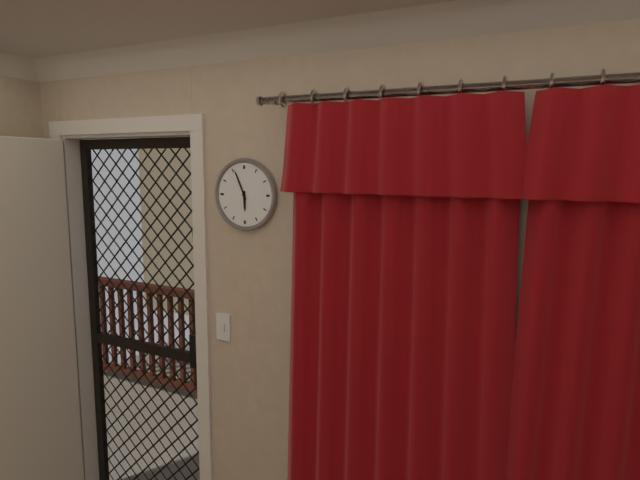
5:56
